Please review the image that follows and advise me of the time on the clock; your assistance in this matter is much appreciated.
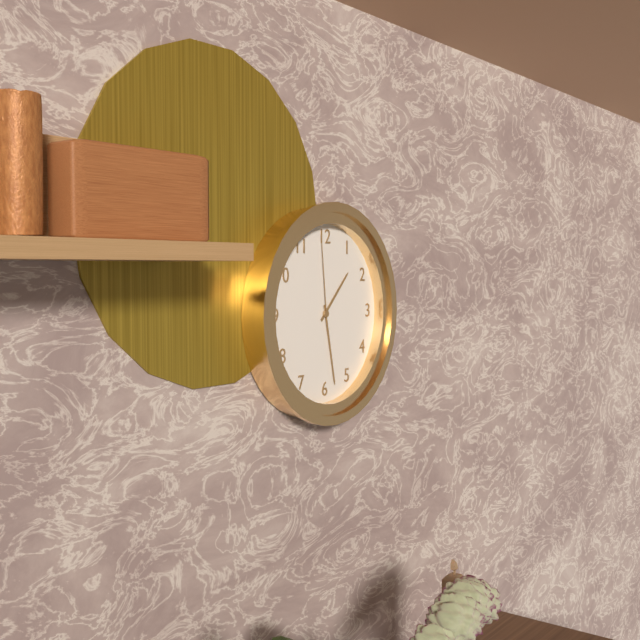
1:28:59
